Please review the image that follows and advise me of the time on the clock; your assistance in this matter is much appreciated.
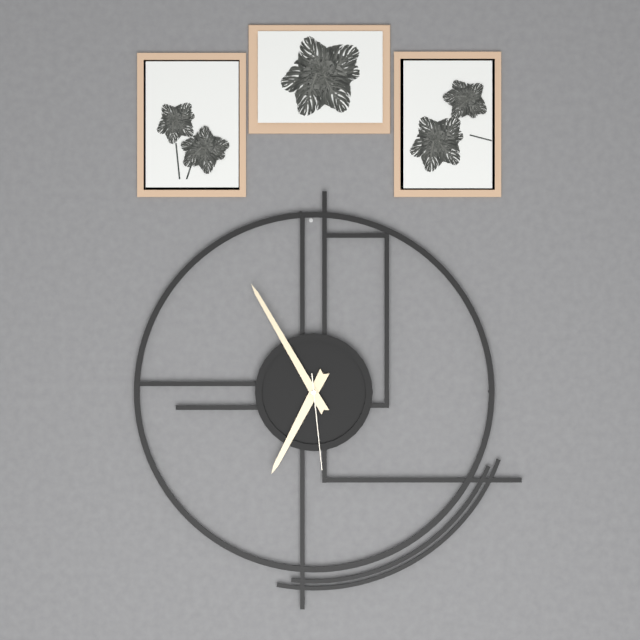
6:55:29
